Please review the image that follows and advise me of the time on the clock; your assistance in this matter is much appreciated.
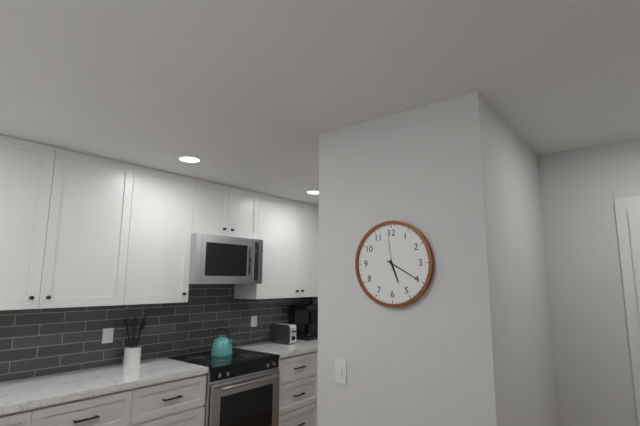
5:20
